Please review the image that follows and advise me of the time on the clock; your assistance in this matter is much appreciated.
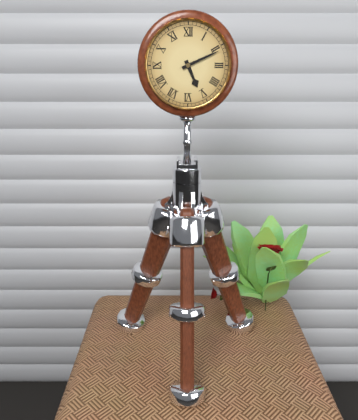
5:11
